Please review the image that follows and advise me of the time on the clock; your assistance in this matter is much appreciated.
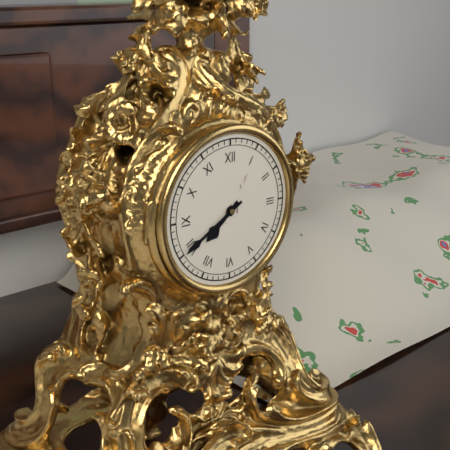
7:40
